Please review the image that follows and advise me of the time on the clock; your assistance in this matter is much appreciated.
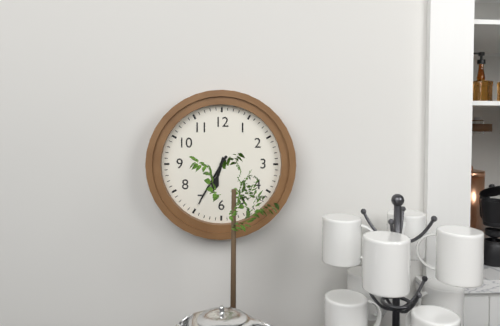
6:35
